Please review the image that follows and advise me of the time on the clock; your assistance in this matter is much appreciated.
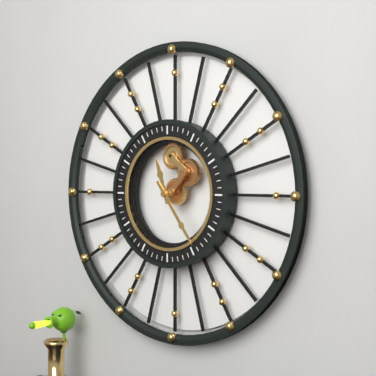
11:24
